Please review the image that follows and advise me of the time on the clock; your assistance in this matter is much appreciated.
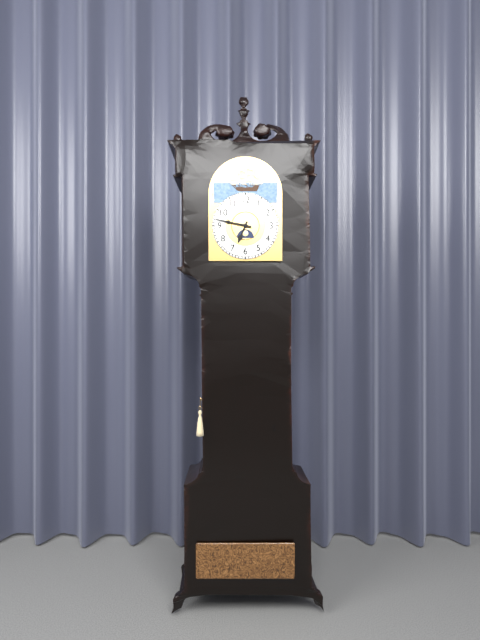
6:47
